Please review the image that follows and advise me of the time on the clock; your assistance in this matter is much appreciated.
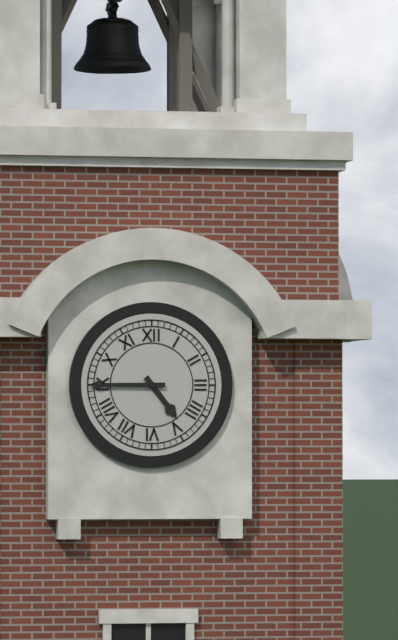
4:45
